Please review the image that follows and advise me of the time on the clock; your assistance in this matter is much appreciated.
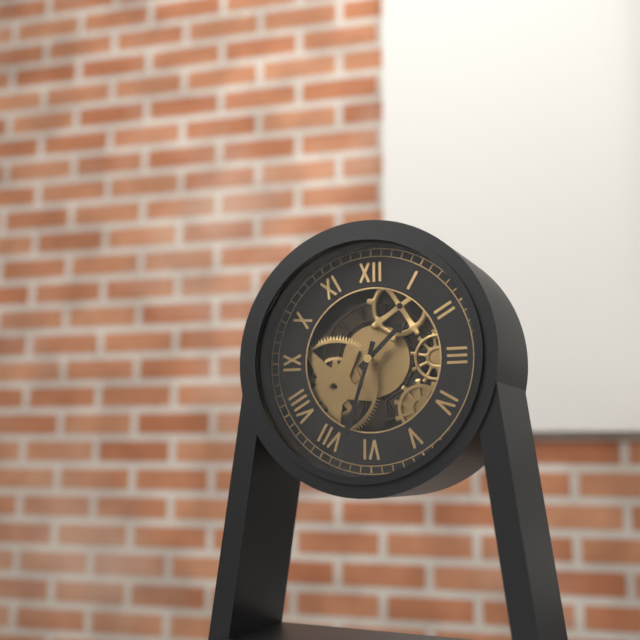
1:33
